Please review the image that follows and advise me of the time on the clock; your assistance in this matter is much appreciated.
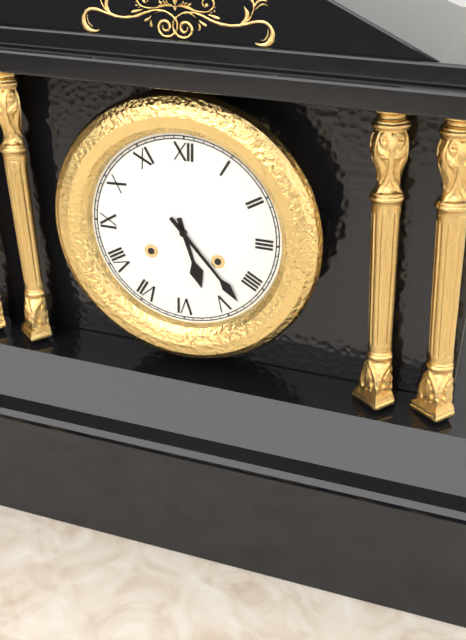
5:23
